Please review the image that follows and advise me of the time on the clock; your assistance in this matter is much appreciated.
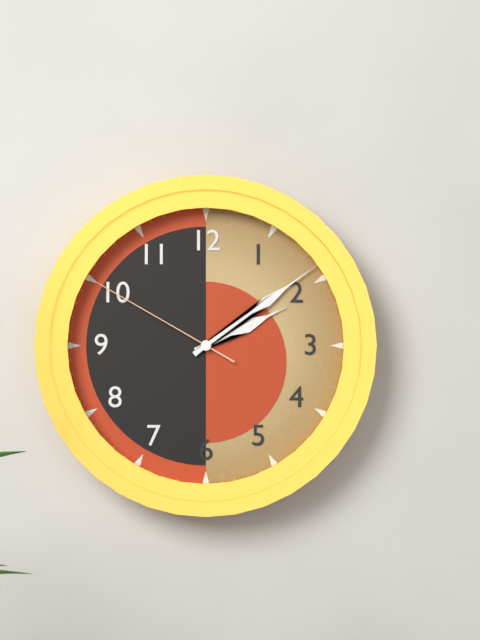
2:09:50
